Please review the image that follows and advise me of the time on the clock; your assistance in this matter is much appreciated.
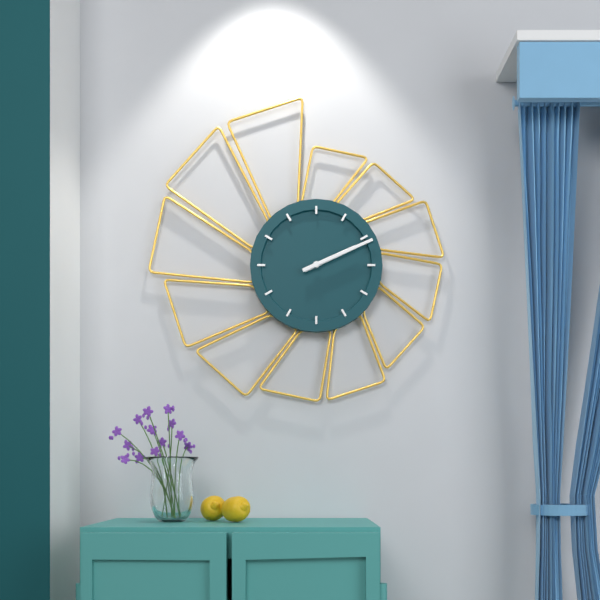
2:11
